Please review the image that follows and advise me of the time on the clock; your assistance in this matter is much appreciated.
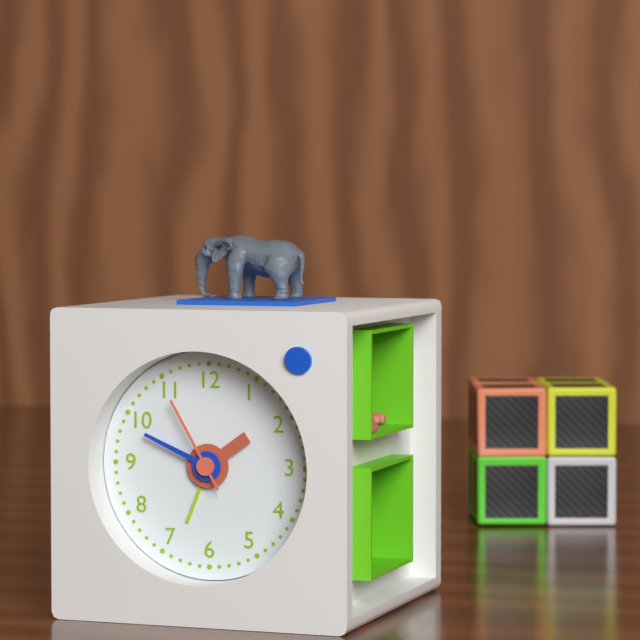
1:49:55
